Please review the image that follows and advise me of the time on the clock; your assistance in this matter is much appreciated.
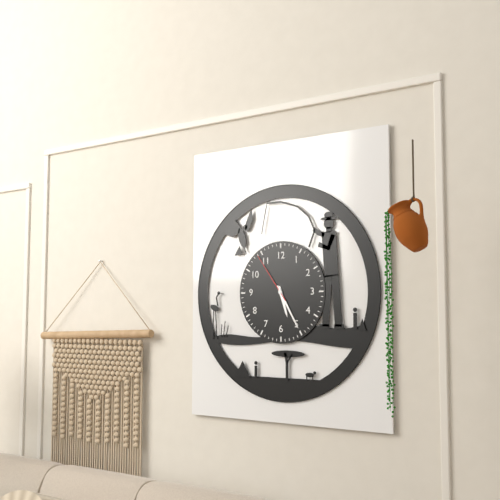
5:25:54
